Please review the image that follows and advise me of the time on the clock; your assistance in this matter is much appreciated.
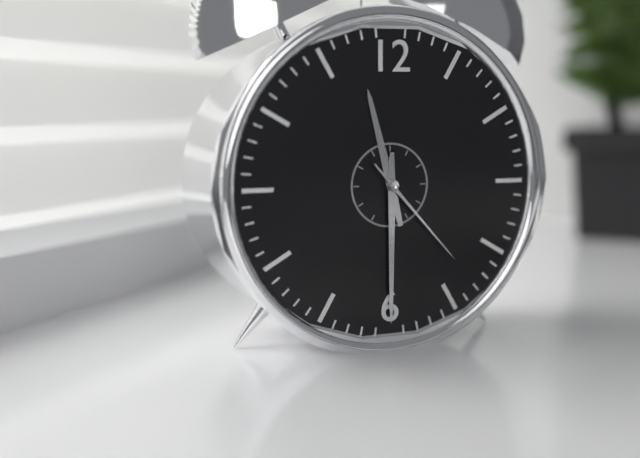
11:30:23
